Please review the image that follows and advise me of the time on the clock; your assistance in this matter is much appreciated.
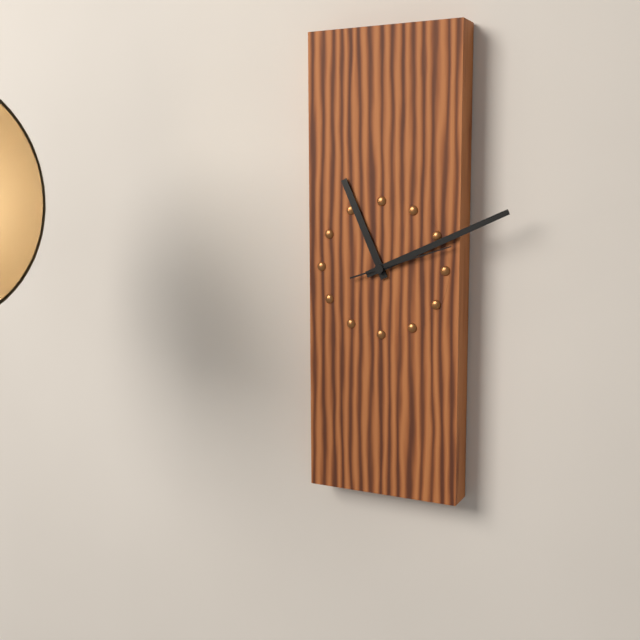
11:11:12
